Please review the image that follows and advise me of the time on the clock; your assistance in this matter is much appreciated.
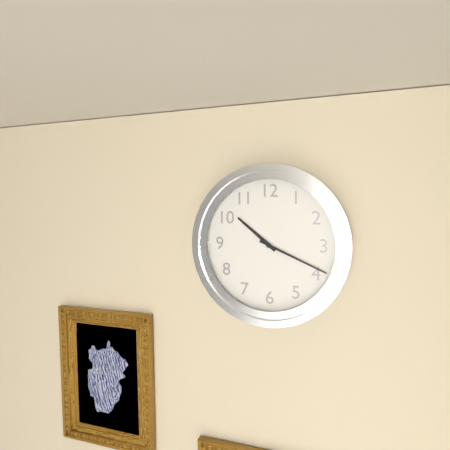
10:19
